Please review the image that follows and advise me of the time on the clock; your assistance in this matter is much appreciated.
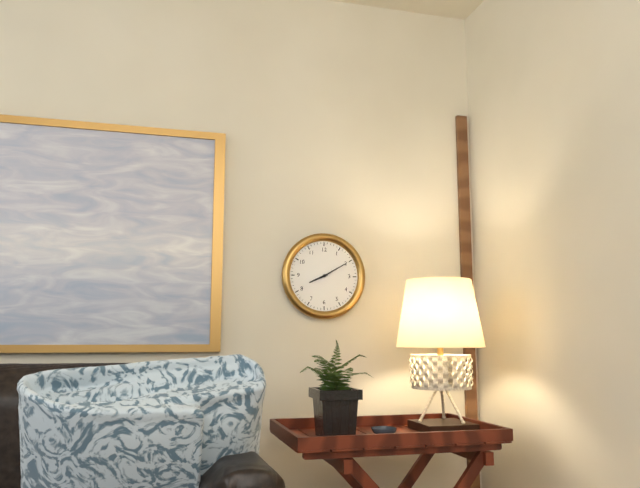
8:10
